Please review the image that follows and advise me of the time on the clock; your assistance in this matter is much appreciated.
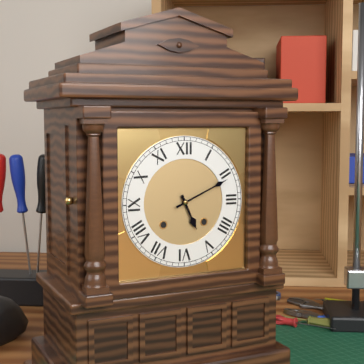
5:11
